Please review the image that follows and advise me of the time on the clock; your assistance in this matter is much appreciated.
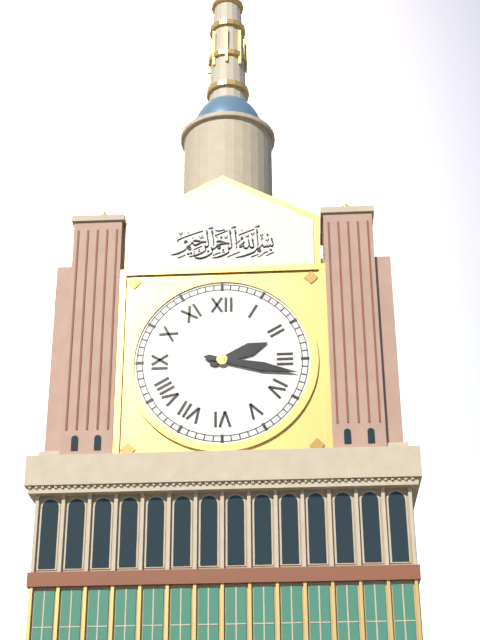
2:17
